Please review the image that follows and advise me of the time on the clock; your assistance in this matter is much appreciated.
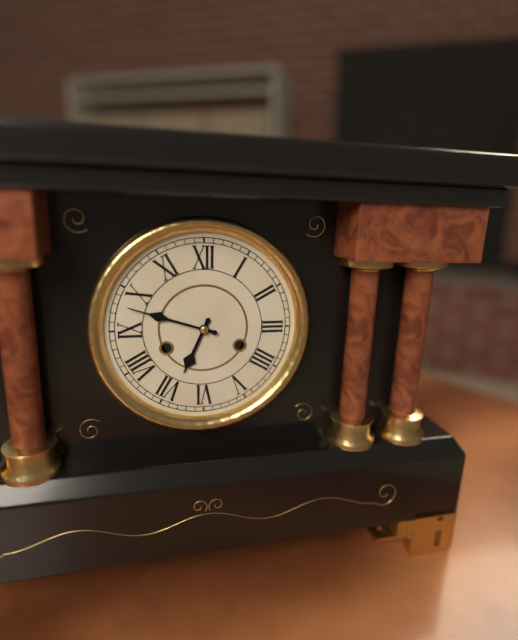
6:48
